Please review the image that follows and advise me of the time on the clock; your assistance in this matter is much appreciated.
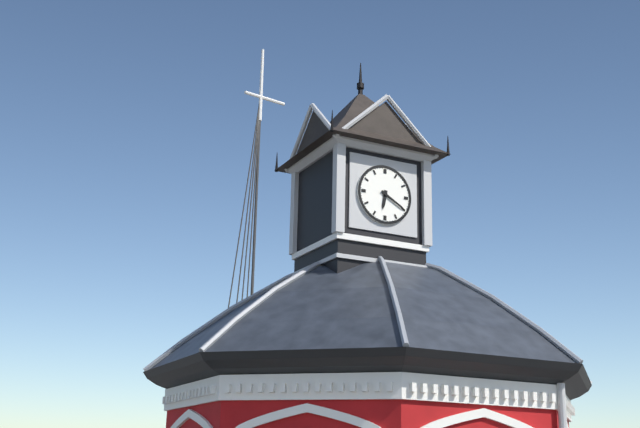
6:20
